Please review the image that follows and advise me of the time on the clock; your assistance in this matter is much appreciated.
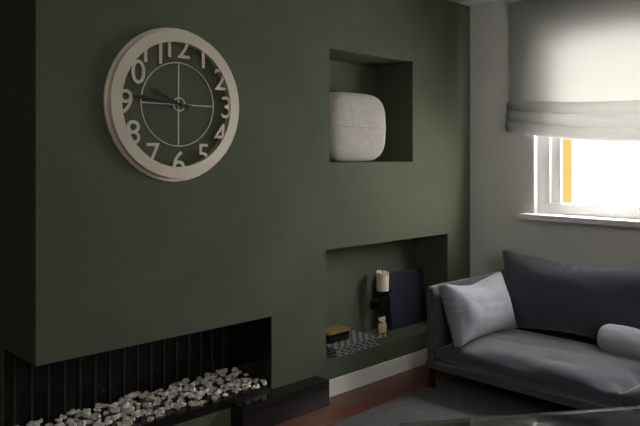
9:46
